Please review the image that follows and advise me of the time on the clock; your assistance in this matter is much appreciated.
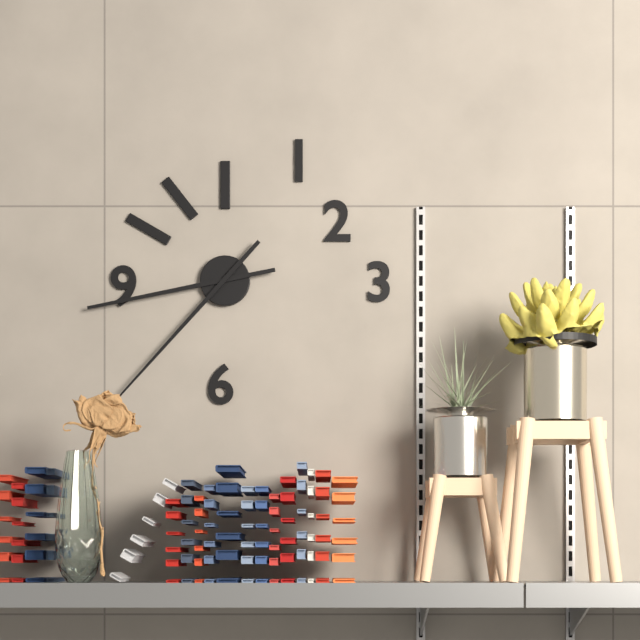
8:37
